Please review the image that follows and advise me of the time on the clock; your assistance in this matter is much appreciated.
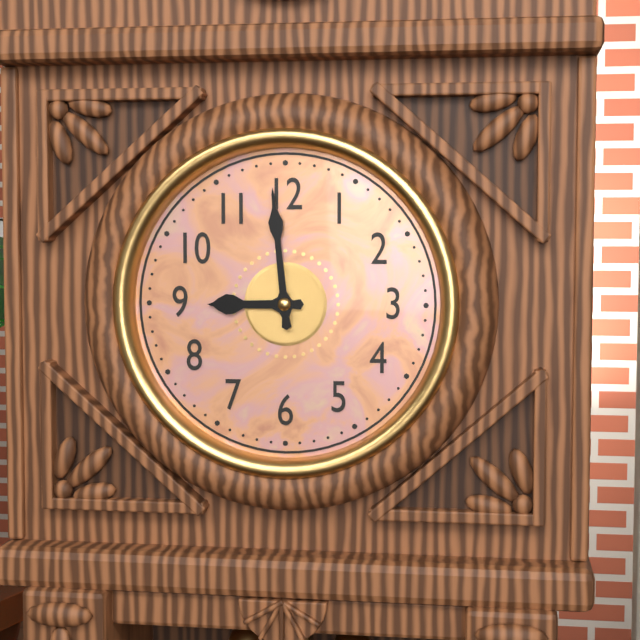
8:59
